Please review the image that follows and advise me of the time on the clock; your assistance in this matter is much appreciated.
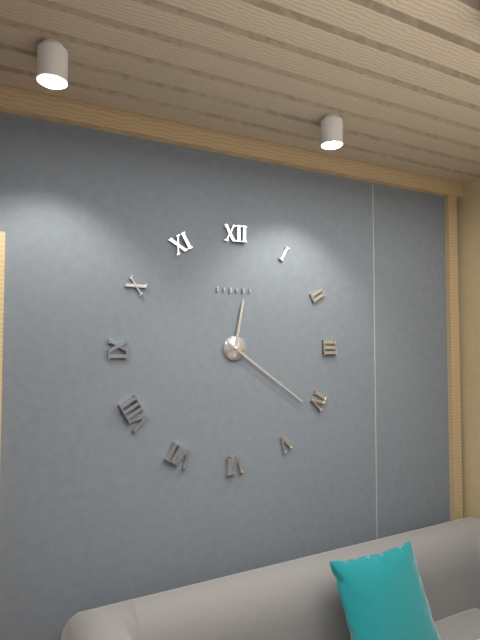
12:21
